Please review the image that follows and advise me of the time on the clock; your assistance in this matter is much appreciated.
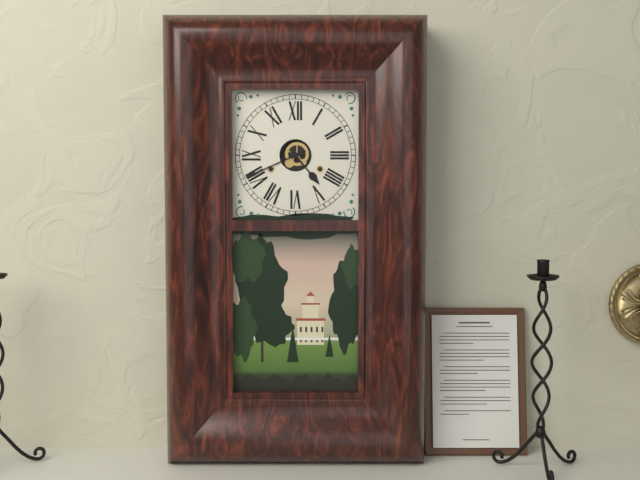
4:41
